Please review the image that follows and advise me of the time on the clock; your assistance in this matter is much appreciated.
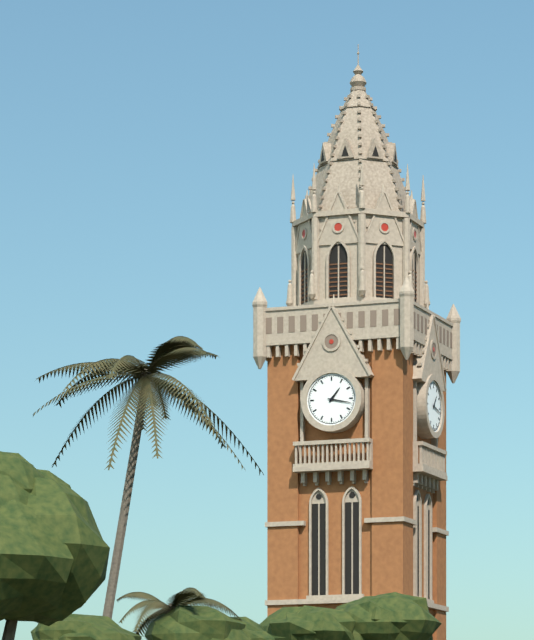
1:17
